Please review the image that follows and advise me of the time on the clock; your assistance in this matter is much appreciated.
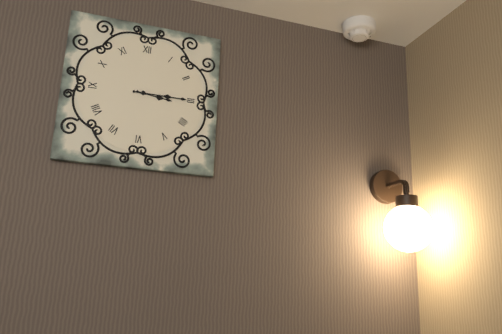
3:15
